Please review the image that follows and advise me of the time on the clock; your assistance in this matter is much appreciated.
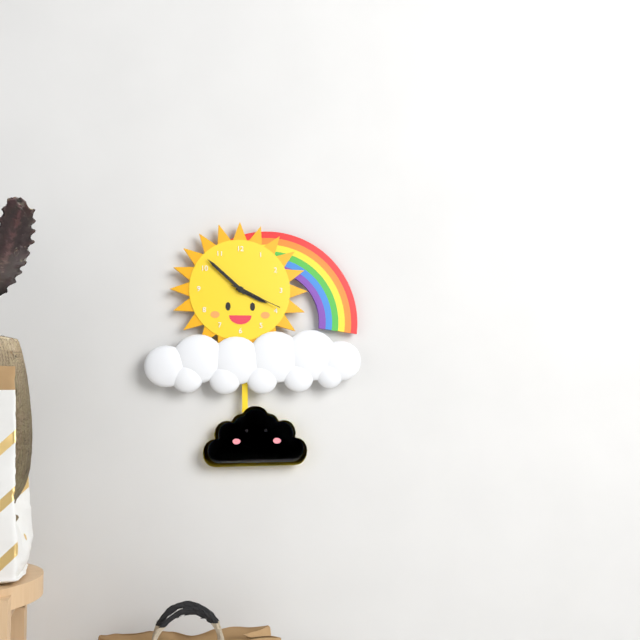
3:52:19
